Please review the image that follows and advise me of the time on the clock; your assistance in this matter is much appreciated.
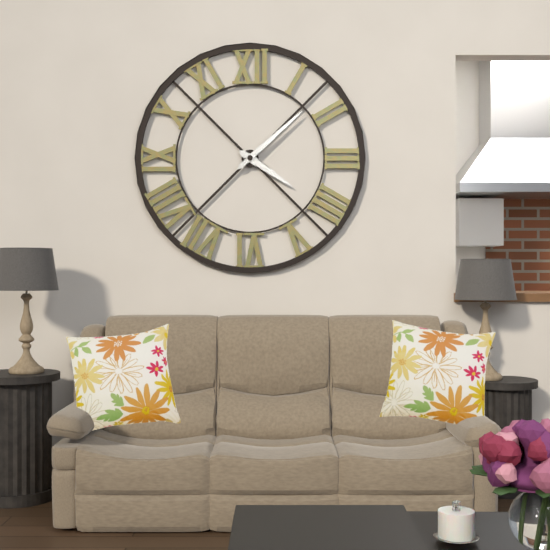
4:08
